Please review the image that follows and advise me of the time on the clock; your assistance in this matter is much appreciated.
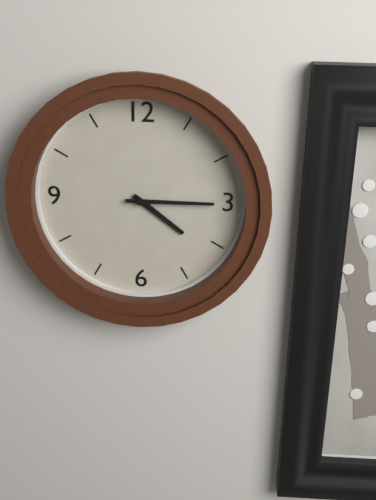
4:15
